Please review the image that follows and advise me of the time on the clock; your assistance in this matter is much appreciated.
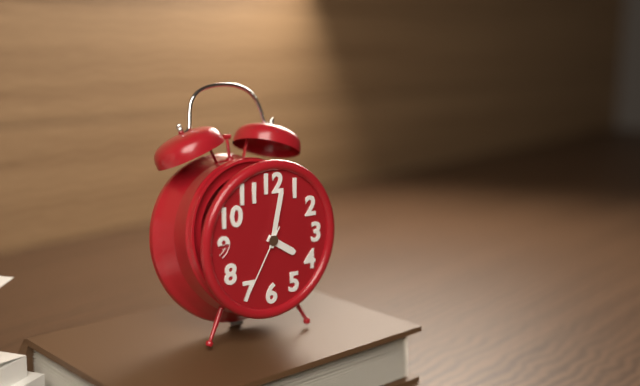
4:02:35
